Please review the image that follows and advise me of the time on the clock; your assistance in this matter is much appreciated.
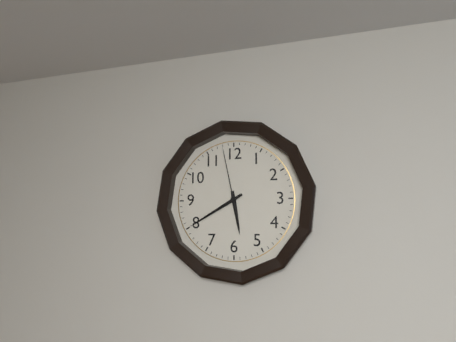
5:40:58
